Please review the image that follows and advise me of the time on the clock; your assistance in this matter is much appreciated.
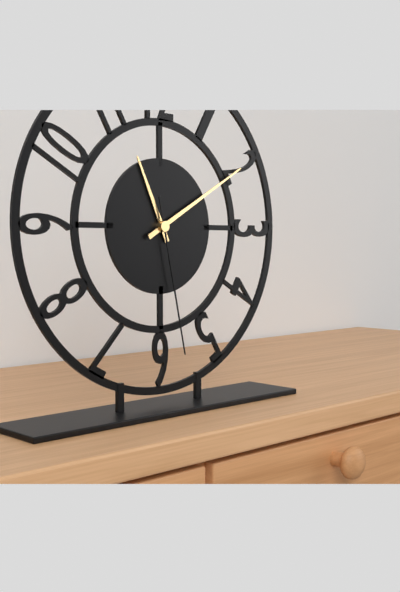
11:10:28
